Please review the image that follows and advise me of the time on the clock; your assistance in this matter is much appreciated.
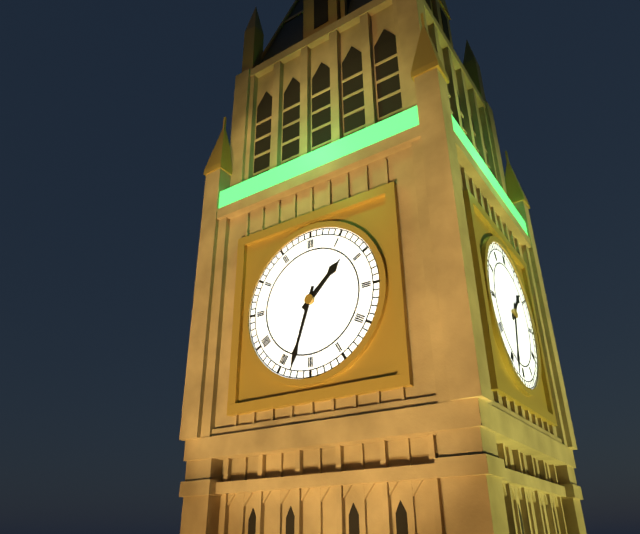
1:33
